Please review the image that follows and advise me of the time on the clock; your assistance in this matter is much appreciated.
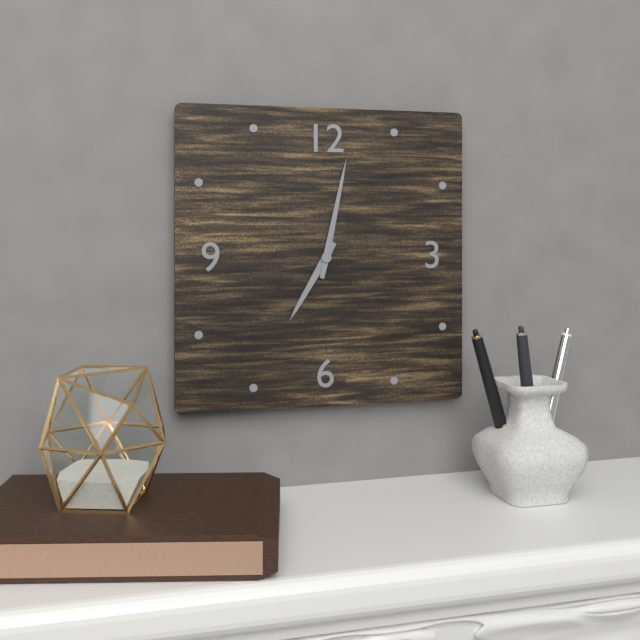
7:02
